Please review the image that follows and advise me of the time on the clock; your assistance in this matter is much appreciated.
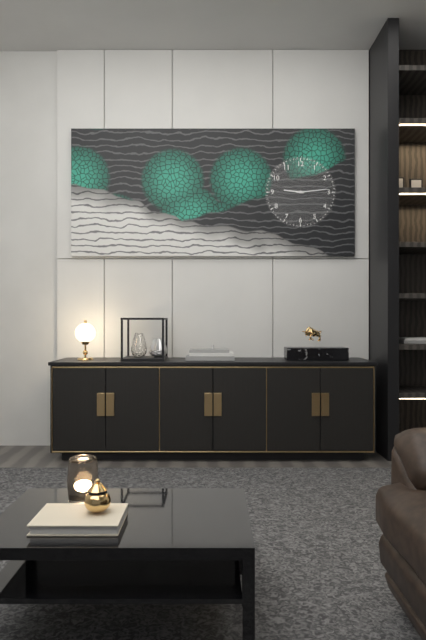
9:14
